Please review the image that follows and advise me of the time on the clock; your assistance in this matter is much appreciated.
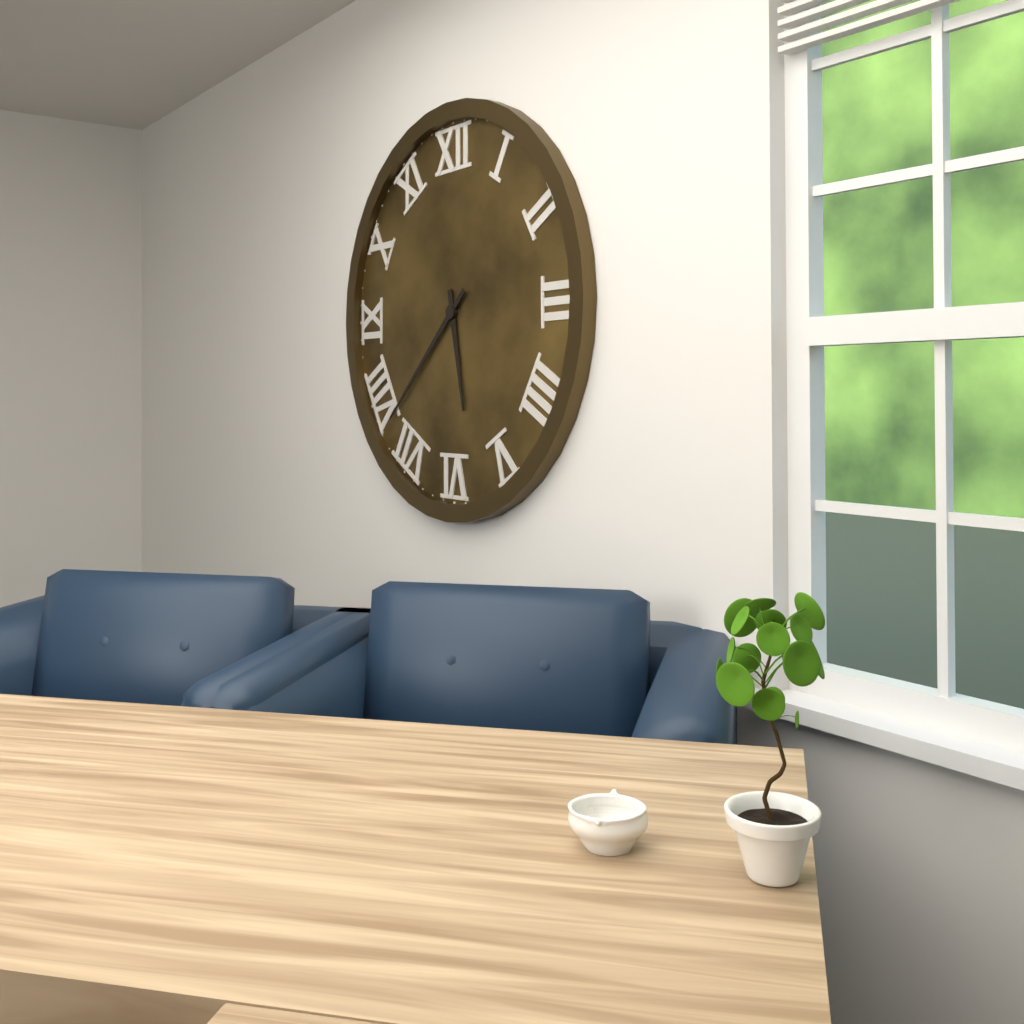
5:38
